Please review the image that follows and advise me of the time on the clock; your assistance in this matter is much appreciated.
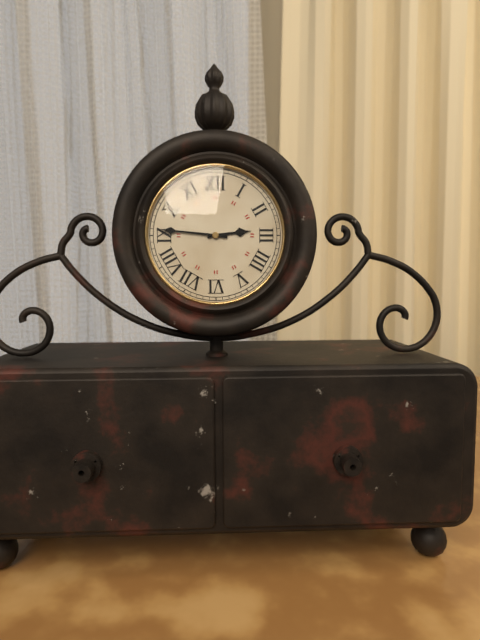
2:46
